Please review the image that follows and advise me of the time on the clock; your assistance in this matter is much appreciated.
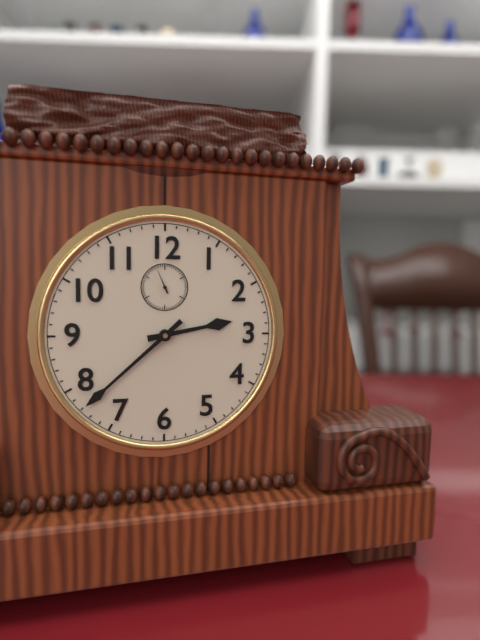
2:38
